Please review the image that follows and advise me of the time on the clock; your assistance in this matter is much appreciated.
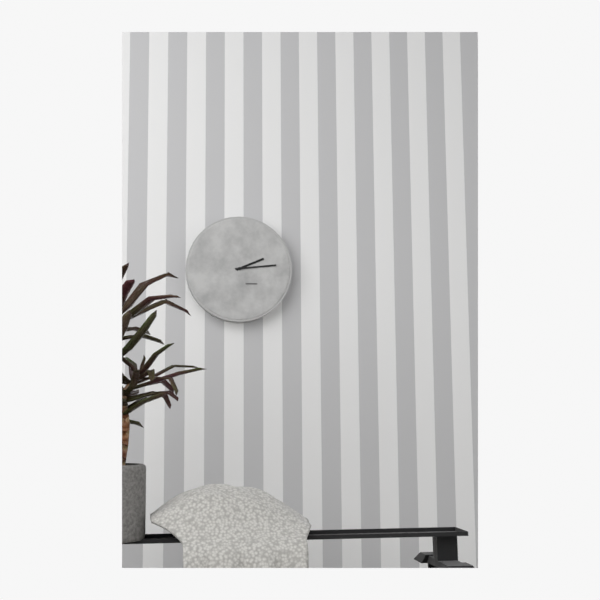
2:14
